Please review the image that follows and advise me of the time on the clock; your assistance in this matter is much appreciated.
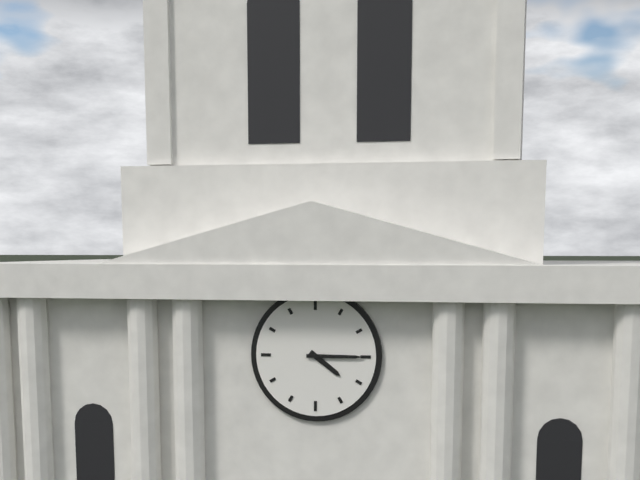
4:15
